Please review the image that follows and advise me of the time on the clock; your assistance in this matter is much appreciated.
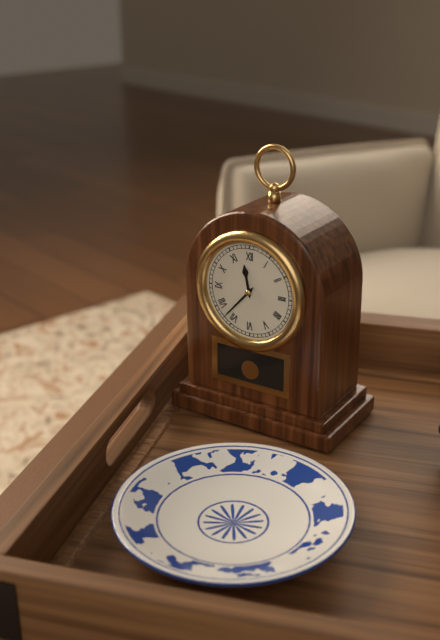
11:37
